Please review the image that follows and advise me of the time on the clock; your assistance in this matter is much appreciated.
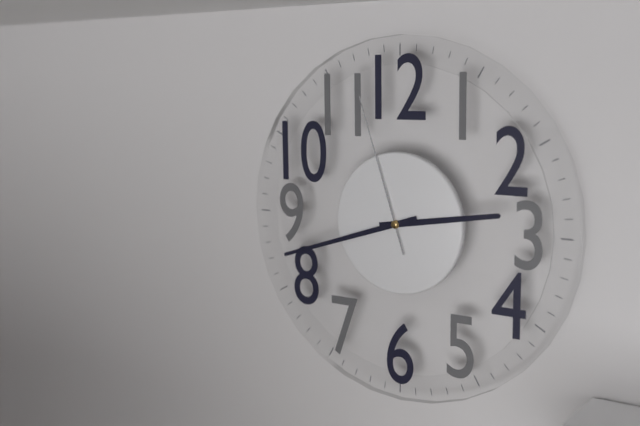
2:42:57
